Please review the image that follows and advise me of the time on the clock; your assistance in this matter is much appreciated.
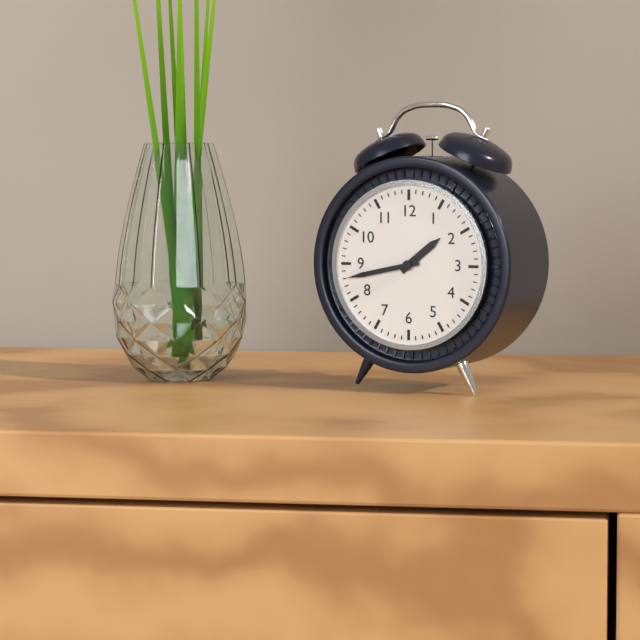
1:43
